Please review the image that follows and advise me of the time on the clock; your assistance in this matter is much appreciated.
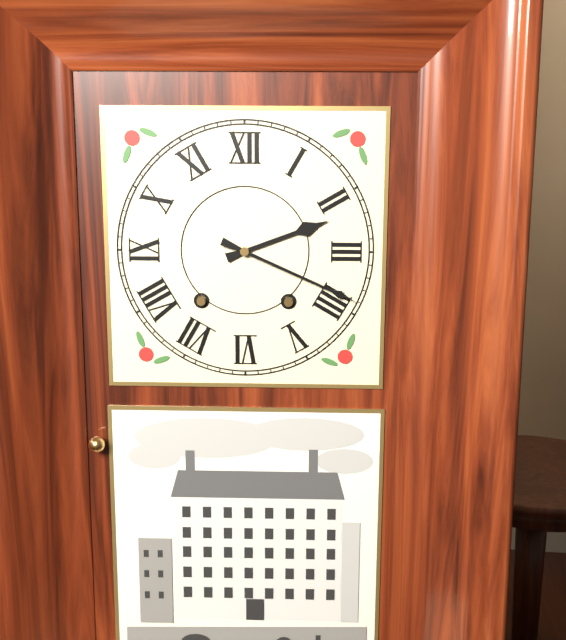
2:19
